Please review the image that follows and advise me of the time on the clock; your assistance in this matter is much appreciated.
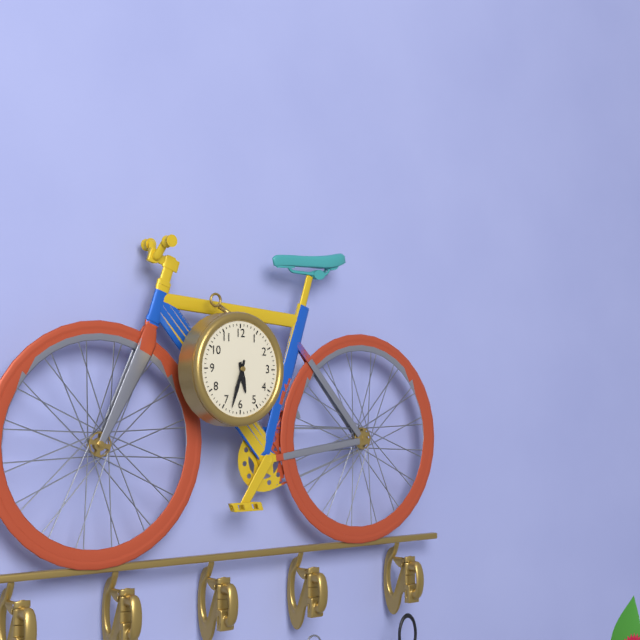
5:33
